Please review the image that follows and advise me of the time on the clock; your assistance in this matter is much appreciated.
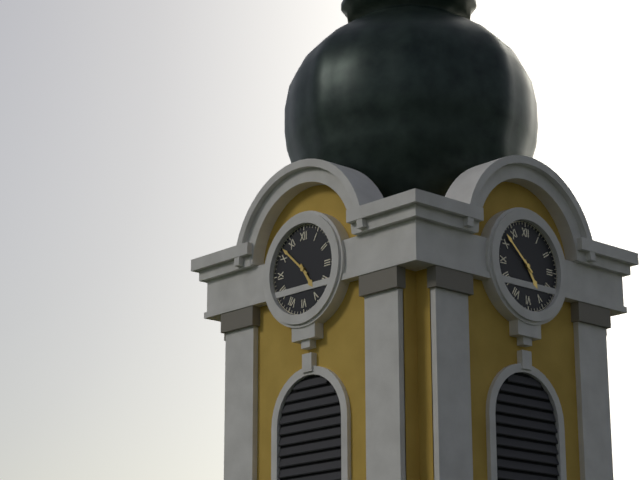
4:52
